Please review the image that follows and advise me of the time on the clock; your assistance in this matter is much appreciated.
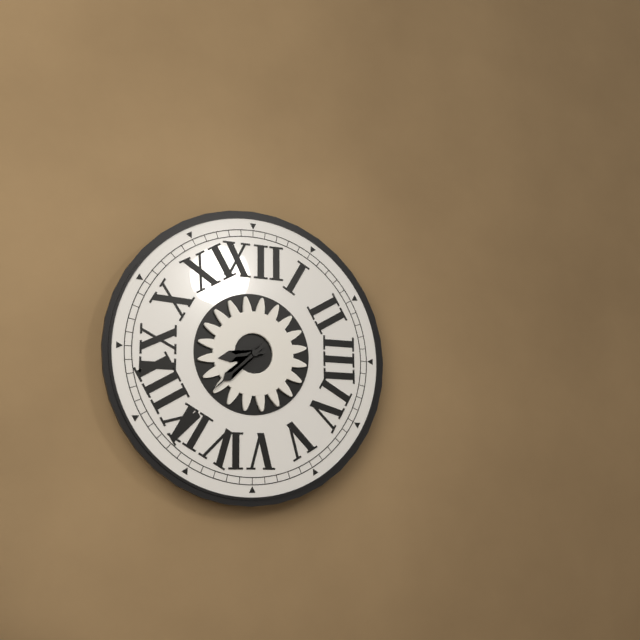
8:38
